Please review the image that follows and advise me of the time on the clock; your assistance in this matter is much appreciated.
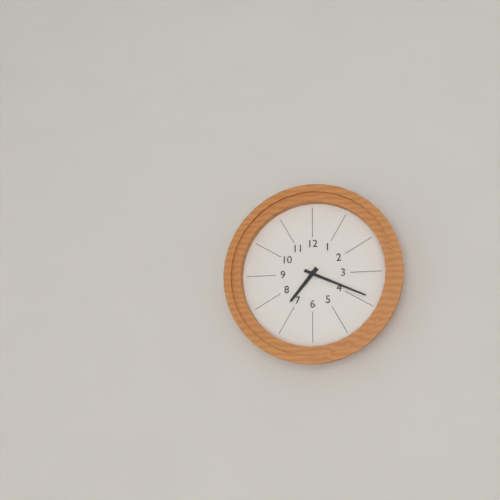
7:19
